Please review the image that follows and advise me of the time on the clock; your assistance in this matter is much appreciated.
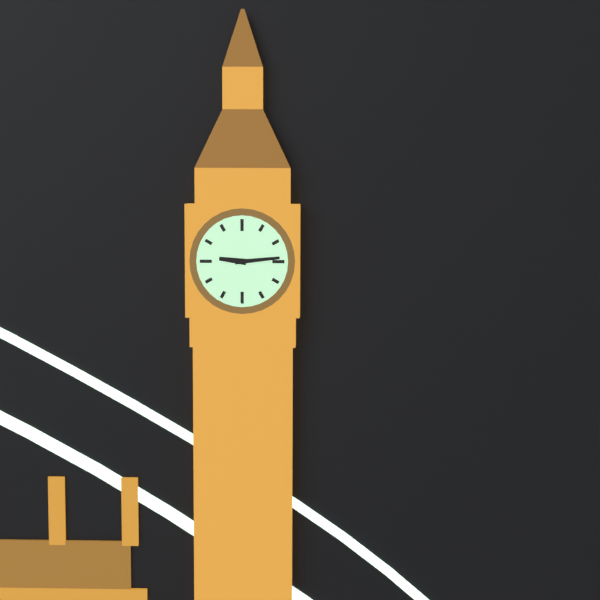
9:14
